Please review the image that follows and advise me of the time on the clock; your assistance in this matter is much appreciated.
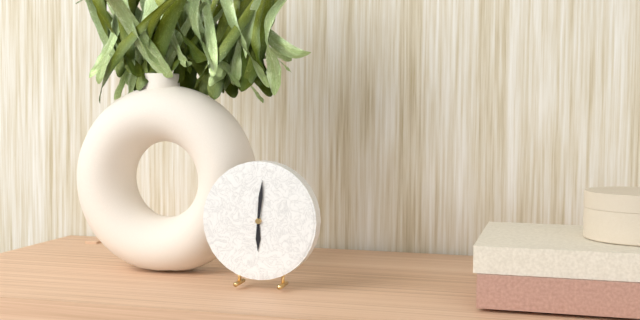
6:01
